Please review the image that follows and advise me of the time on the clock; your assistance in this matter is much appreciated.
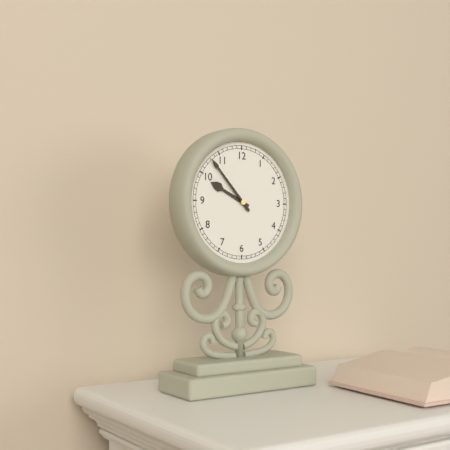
9:53
